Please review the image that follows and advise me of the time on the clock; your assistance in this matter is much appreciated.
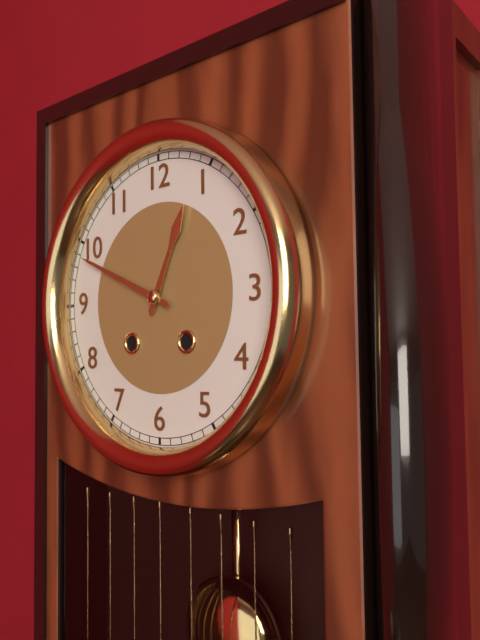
12:49
